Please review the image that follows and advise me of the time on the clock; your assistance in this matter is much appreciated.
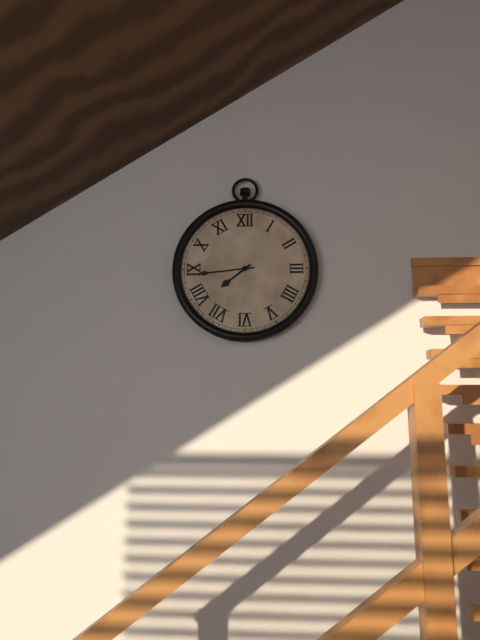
7:44
